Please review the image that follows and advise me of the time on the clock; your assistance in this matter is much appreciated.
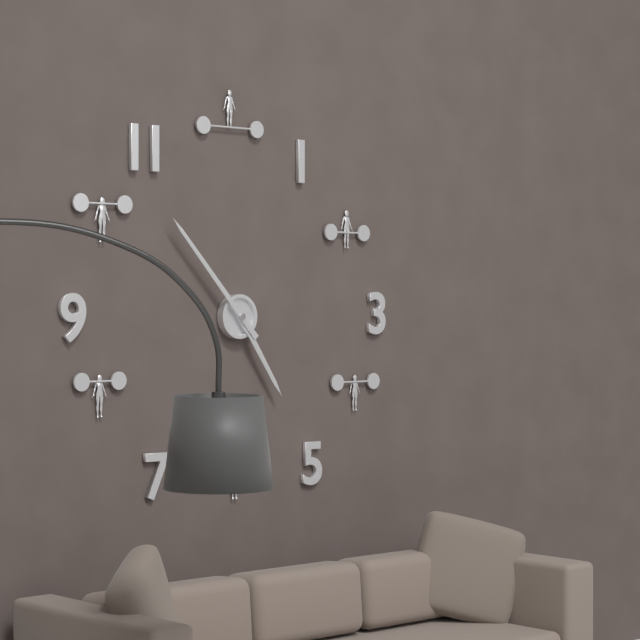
4:53
